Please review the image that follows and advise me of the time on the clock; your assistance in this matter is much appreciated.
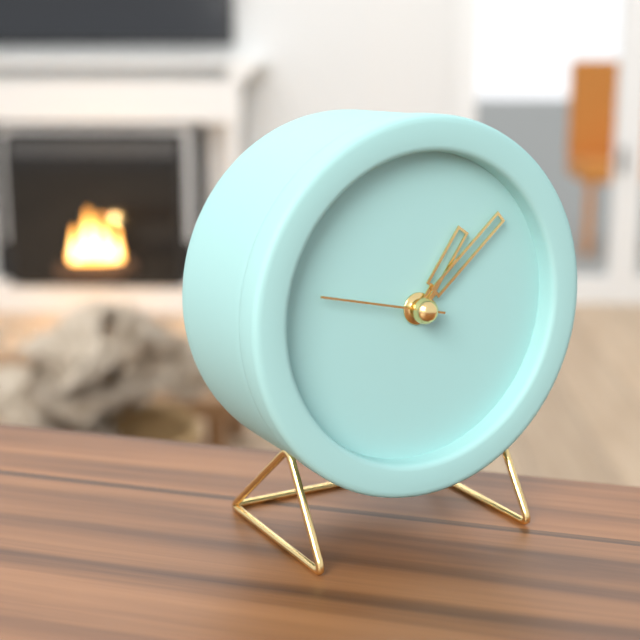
1:08:47
